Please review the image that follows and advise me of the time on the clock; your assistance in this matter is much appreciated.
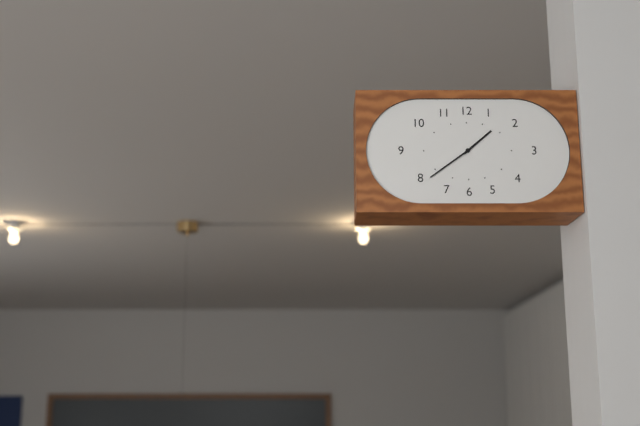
1:39
